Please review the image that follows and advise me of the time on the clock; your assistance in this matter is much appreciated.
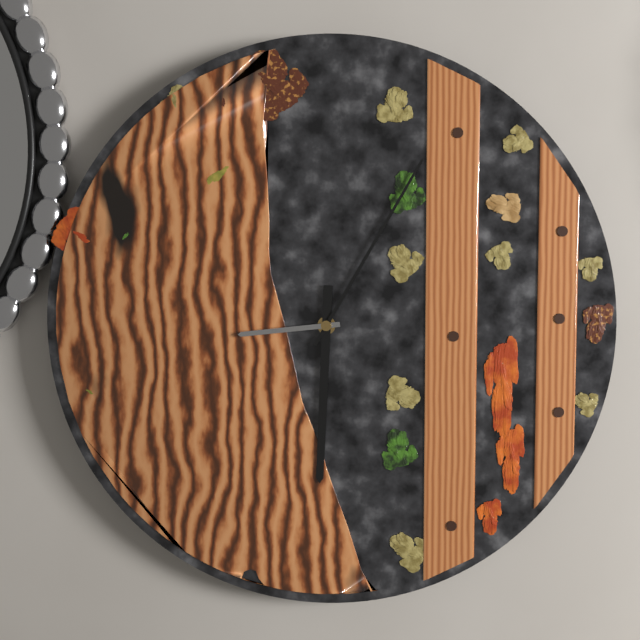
6:05:44
